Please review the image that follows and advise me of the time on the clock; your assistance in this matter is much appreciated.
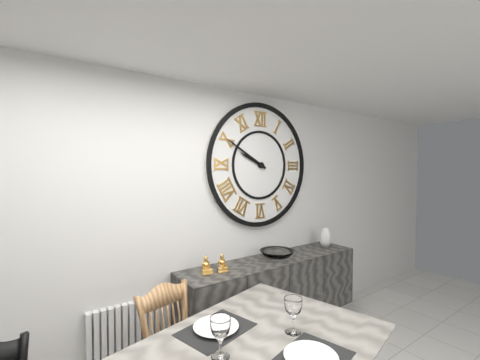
9:50
